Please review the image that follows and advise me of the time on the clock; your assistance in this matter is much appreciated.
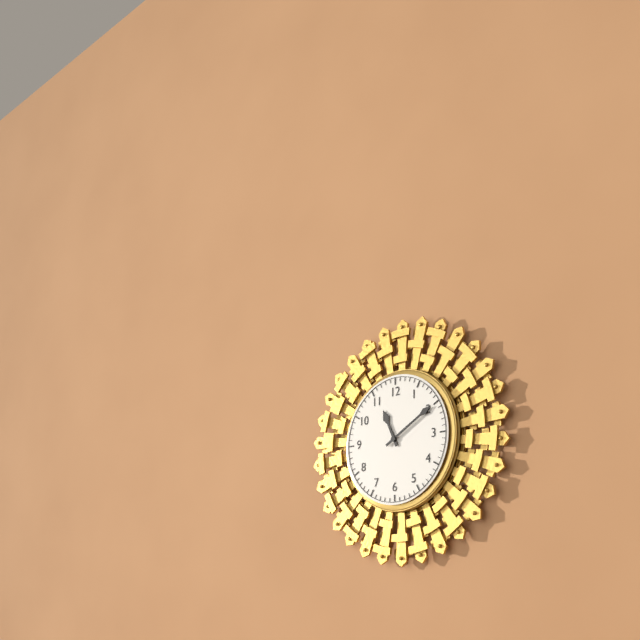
11:10
